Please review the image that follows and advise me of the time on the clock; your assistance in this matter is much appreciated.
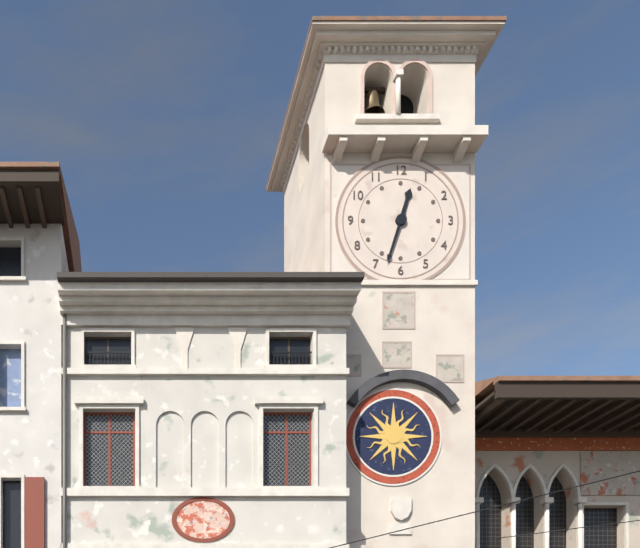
12:33
